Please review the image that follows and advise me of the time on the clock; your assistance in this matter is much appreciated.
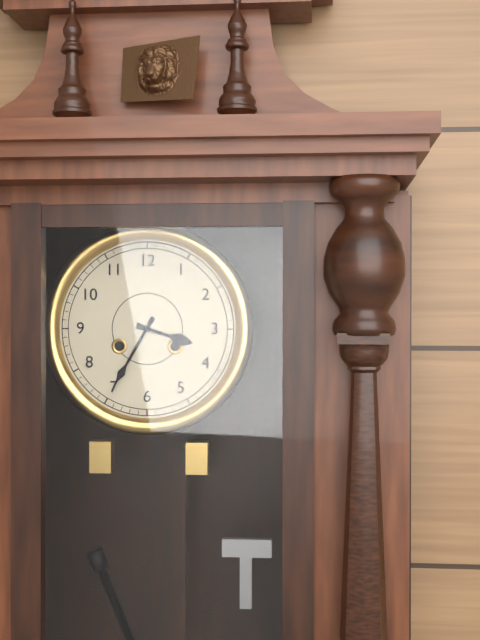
3:35
